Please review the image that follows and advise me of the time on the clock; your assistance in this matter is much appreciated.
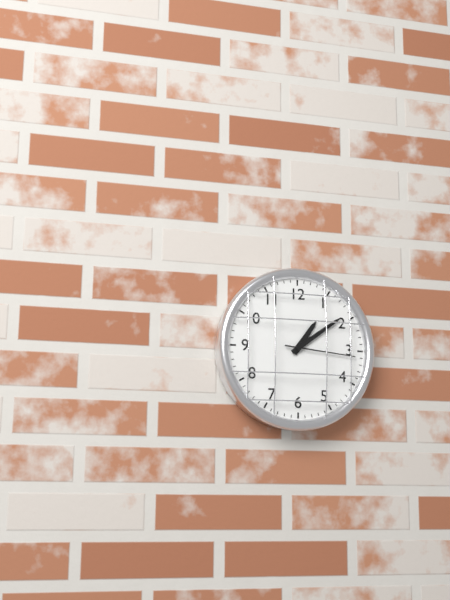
1:09:16
